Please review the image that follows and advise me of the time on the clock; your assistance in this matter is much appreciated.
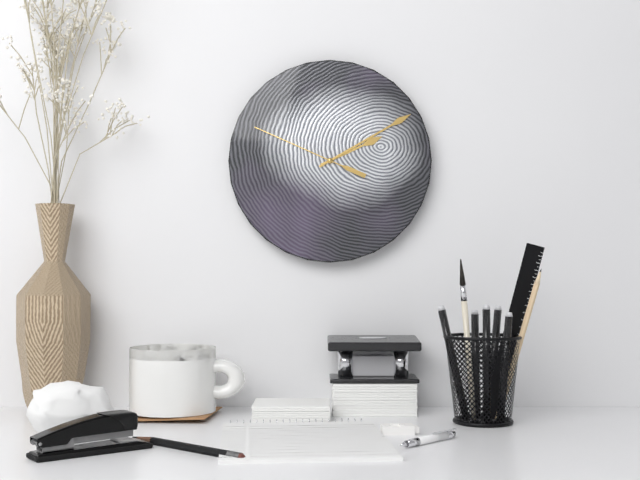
2:10:49
